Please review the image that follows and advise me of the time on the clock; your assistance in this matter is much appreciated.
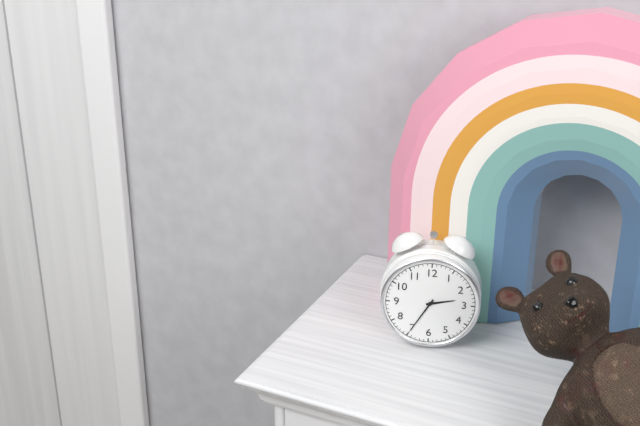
2:35
